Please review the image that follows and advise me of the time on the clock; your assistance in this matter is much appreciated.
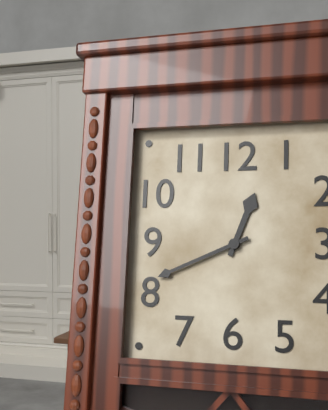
12:41
